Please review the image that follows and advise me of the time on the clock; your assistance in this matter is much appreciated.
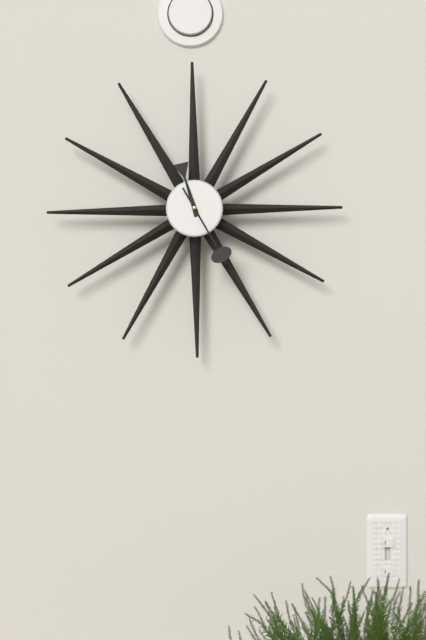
11:25
